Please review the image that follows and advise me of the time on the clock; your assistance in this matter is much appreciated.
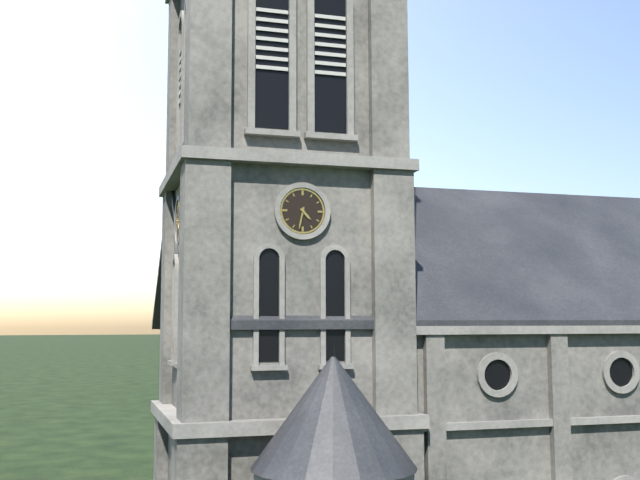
4:32
